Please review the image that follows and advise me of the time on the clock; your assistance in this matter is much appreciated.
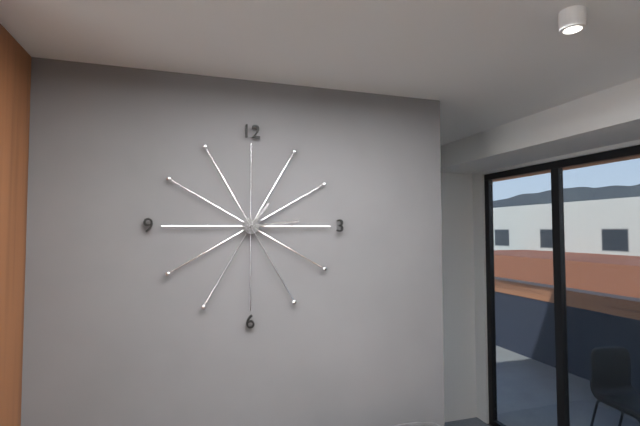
1:14
